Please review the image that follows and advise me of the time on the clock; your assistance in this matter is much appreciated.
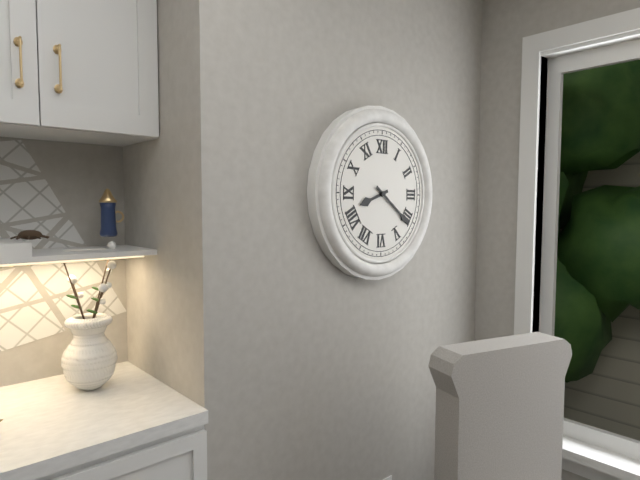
8:21
